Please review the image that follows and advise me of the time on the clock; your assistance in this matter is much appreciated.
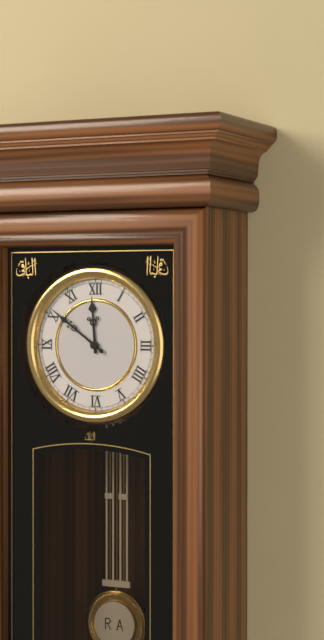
11:51
